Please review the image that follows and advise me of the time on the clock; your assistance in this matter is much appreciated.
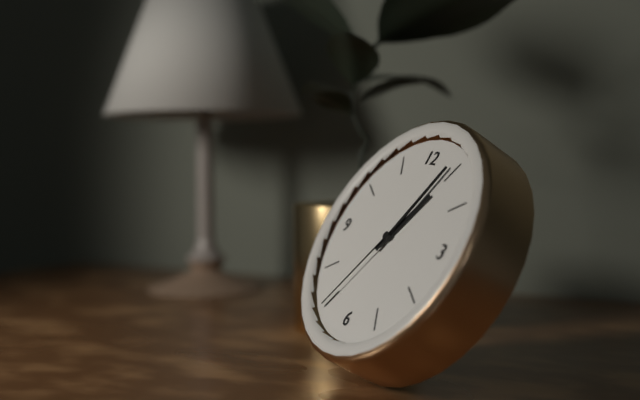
1:04:35
